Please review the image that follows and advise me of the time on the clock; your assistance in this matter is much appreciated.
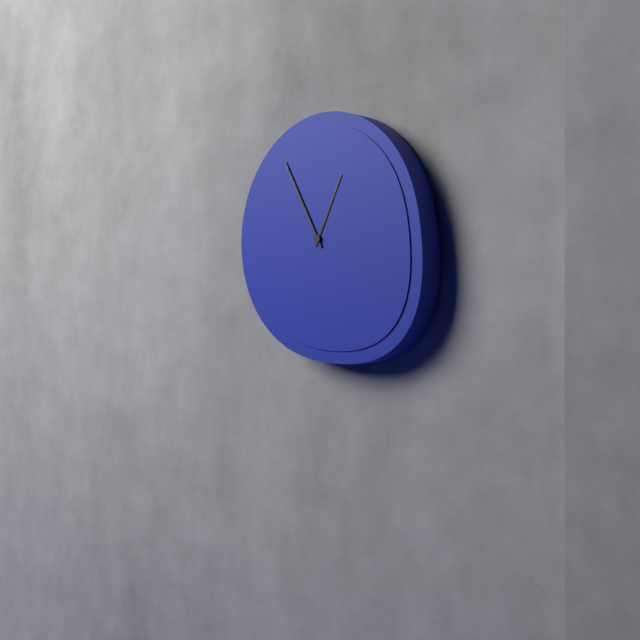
12:55
